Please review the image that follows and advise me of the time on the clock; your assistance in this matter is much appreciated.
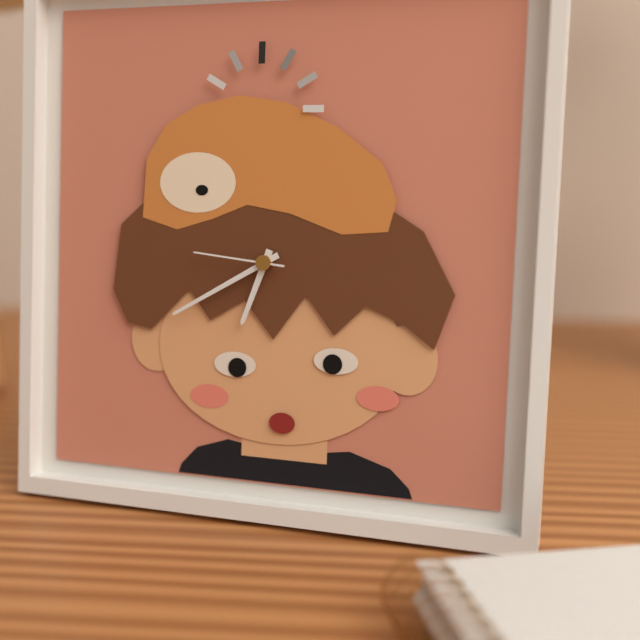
6:40:46
